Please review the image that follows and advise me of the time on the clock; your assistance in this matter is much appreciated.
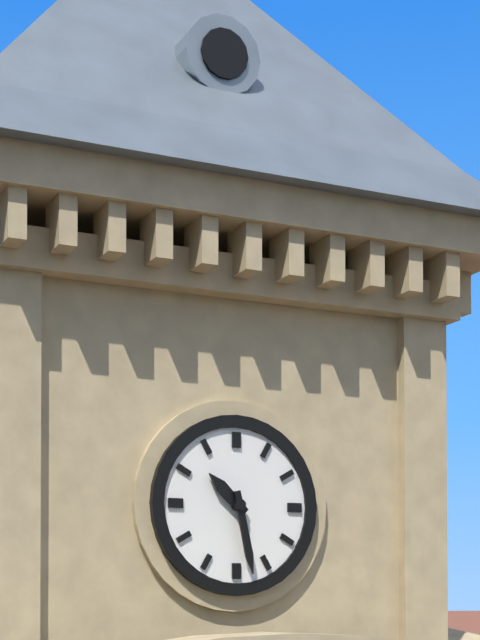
10:28
